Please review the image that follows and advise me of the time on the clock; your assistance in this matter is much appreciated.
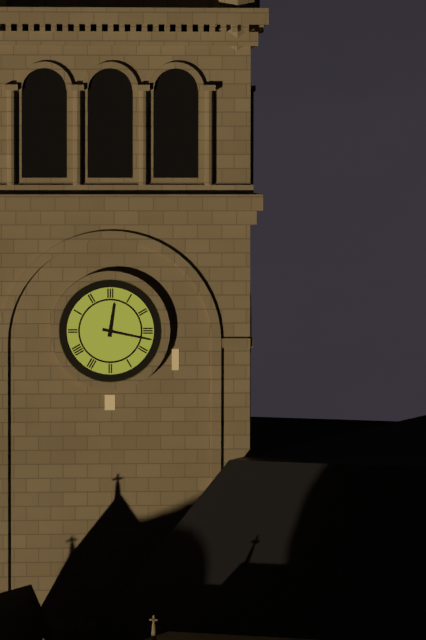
12:17
